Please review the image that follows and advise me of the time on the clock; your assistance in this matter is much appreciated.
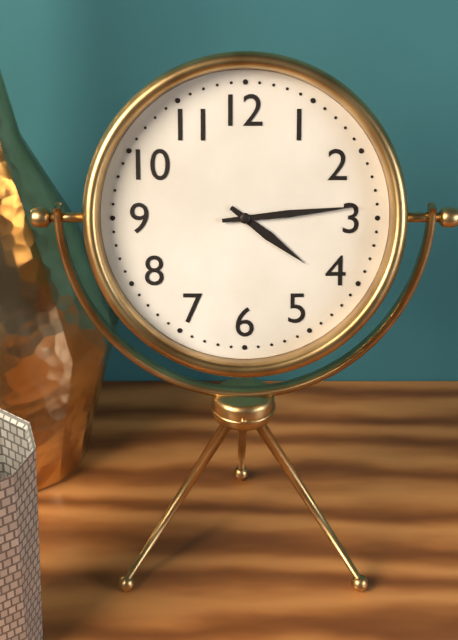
4:14
